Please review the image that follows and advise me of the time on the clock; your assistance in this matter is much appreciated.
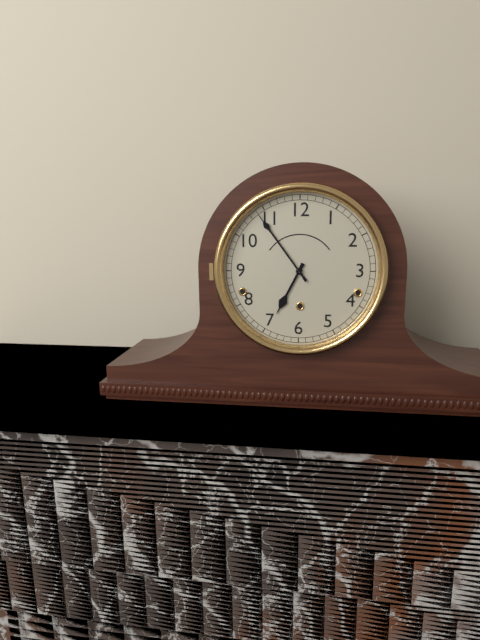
6:54
